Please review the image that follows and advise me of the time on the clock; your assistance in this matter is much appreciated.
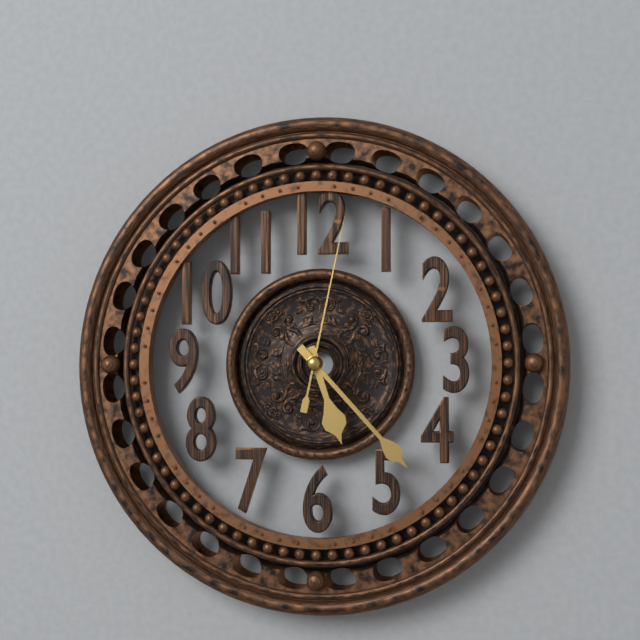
5:23:02
